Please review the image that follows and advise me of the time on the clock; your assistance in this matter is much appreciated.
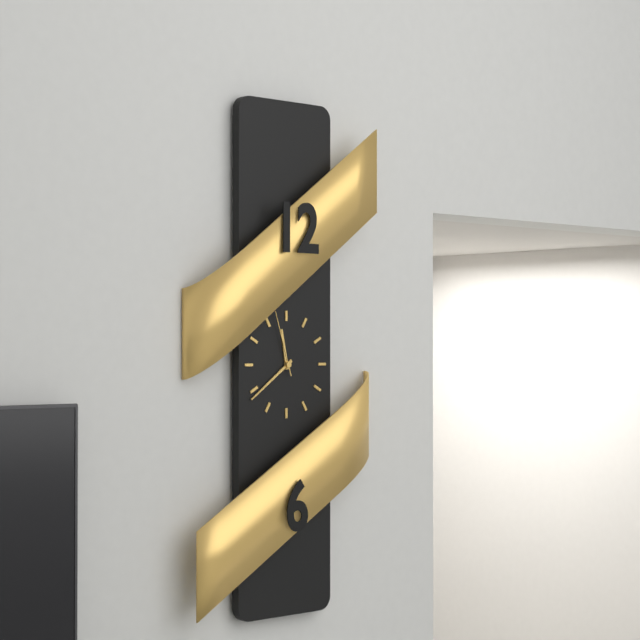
11:39:57
